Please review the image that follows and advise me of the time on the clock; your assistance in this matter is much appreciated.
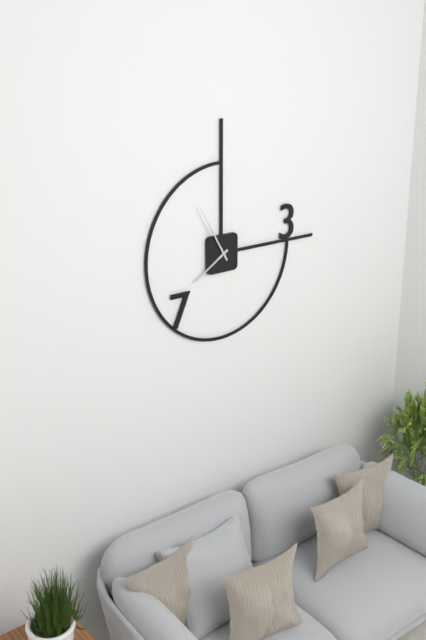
7:55
